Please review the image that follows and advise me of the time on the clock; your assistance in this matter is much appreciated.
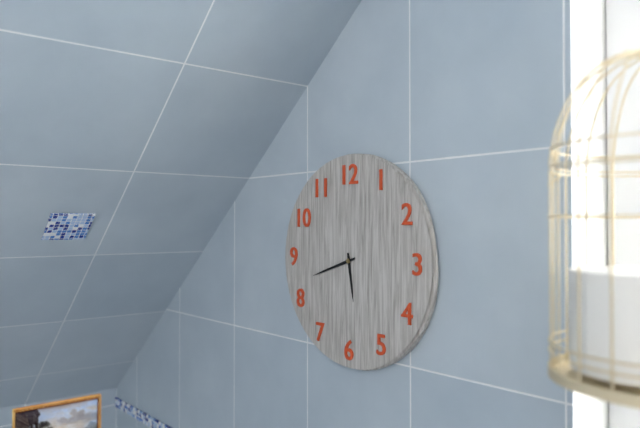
5:42
